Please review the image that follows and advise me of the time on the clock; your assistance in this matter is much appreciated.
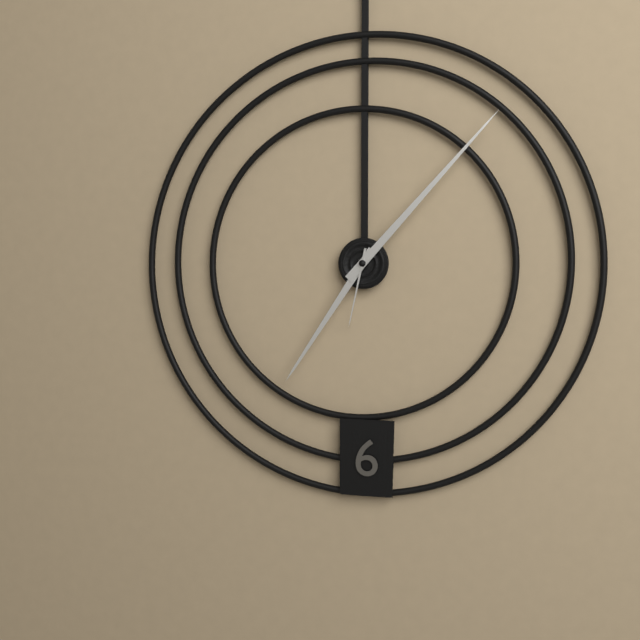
7:07:32
